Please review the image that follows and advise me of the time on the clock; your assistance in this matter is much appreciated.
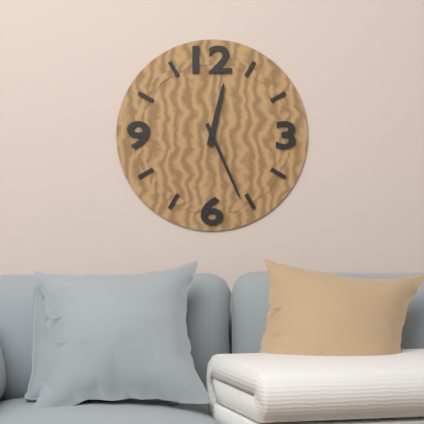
12:26
